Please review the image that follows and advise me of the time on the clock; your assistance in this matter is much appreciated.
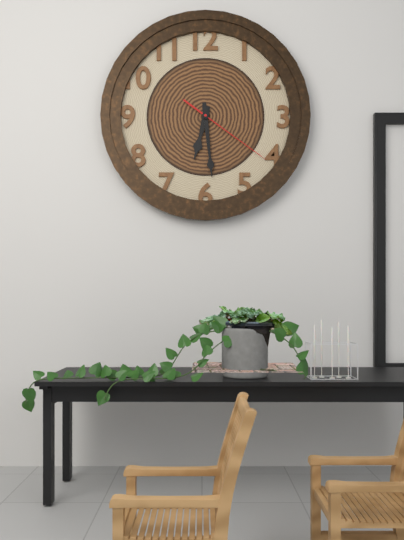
6:29:21
